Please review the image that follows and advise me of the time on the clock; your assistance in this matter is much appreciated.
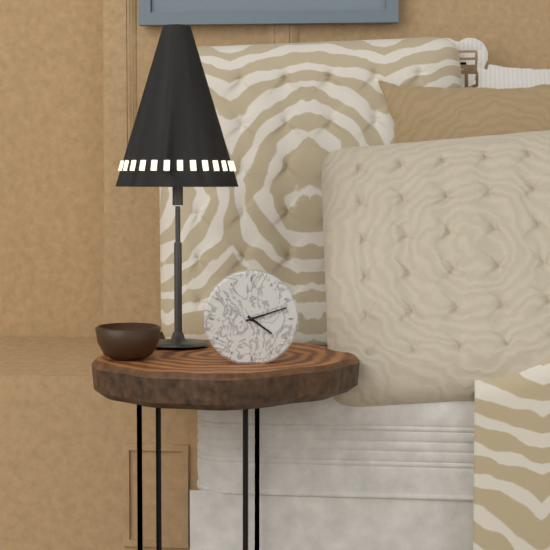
4:12
